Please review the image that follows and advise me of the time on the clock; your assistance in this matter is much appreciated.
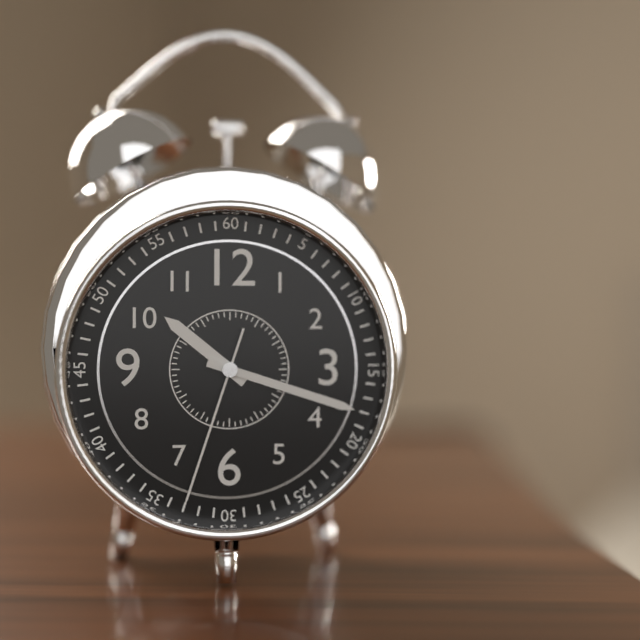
10:18:33
